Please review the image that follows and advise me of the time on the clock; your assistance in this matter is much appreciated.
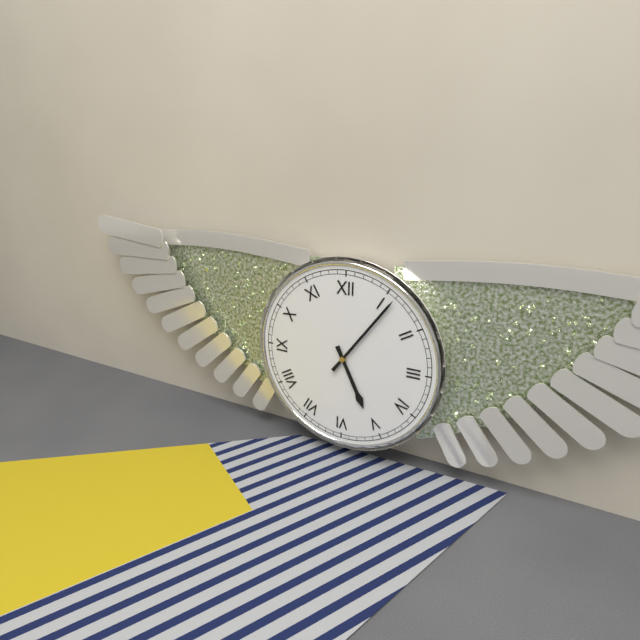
5:06
